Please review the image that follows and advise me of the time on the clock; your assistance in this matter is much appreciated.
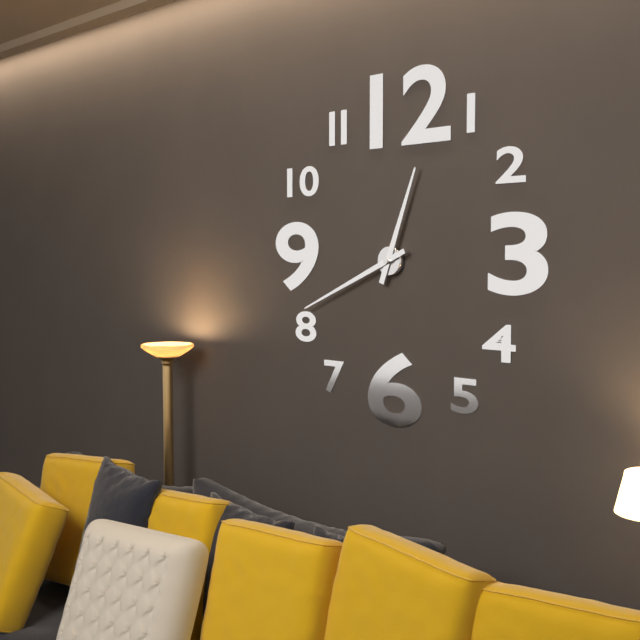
12:41
